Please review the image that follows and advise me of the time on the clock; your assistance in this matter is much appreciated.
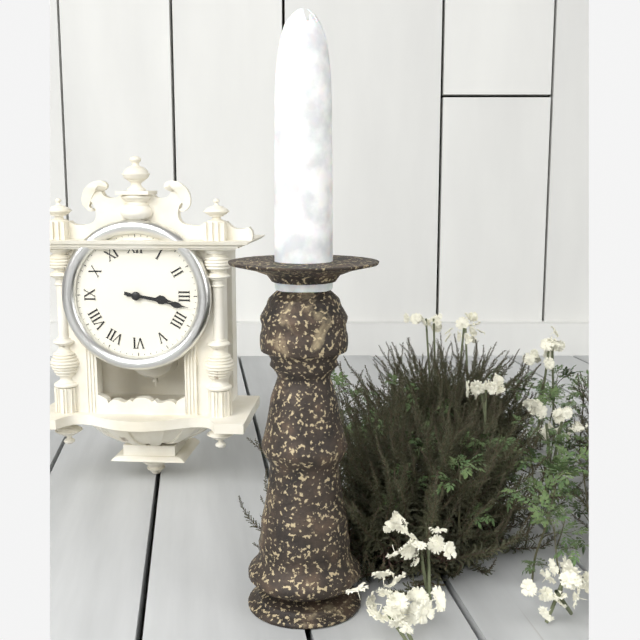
3:17
